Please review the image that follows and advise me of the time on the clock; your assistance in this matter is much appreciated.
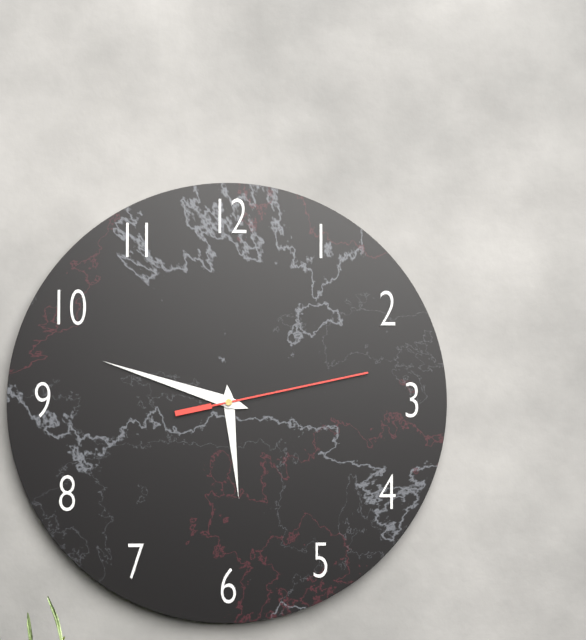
5:48:13
